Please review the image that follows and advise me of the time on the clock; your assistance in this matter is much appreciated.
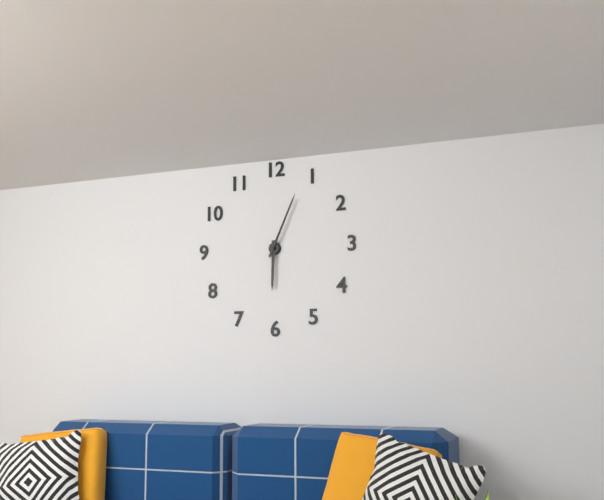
6:04
